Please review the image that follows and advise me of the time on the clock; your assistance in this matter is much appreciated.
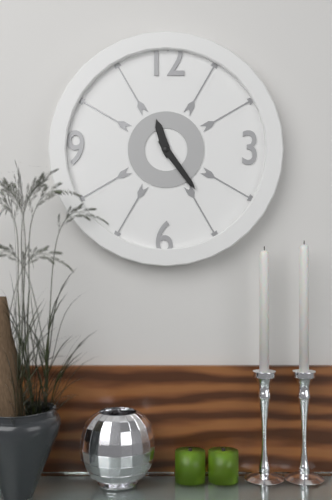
11:24
